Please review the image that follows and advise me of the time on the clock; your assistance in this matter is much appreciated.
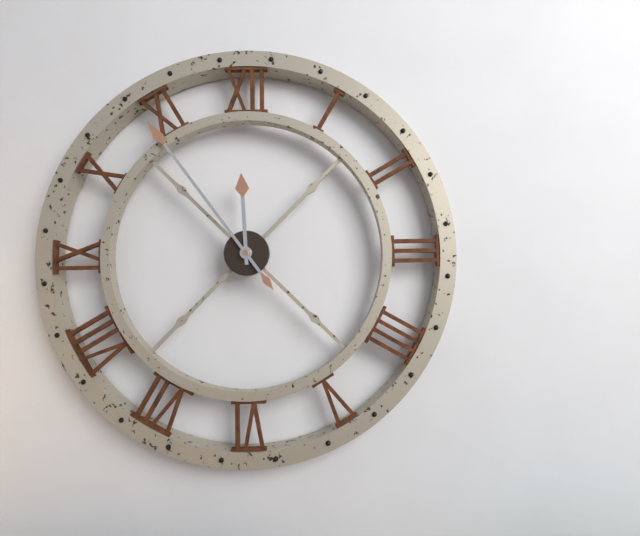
11:54
